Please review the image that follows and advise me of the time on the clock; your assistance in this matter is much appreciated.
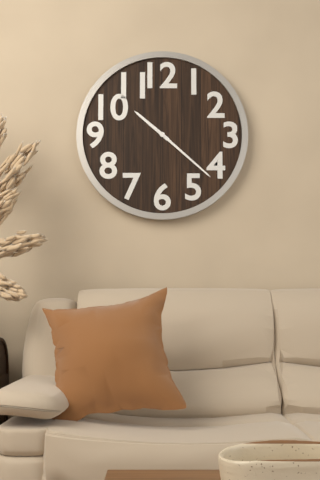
10:22
